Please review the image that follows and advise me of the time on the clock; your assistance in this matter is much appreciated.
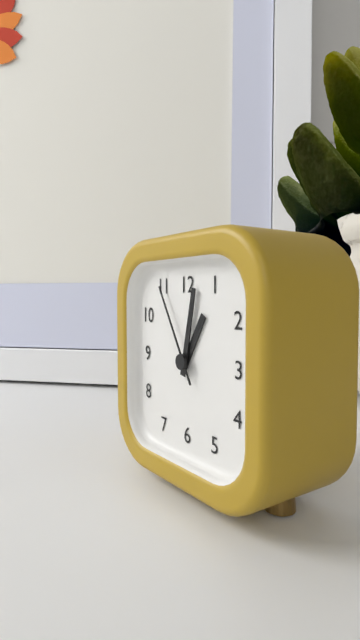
1:02:55
